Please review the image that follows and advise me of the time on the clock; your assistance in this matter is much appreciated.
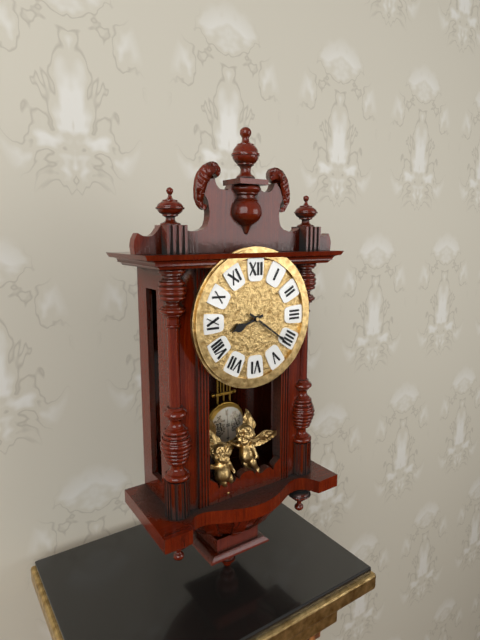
8:21
